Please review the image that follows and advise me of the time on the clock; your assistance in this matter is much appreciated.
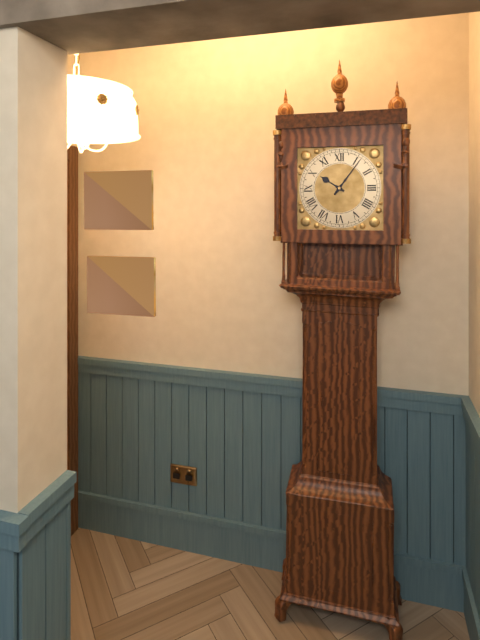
10:06
